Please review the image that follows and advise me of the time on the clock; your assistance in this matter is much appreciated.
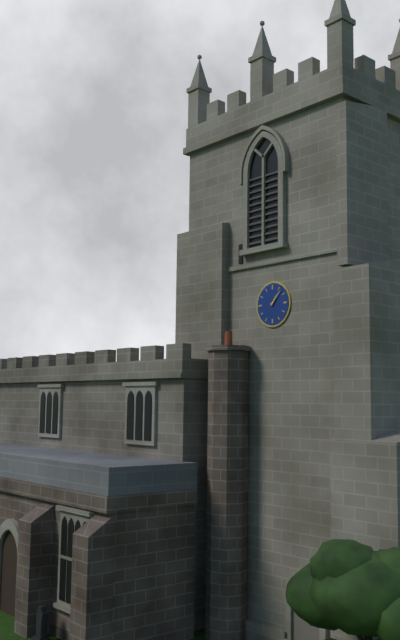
1:07
